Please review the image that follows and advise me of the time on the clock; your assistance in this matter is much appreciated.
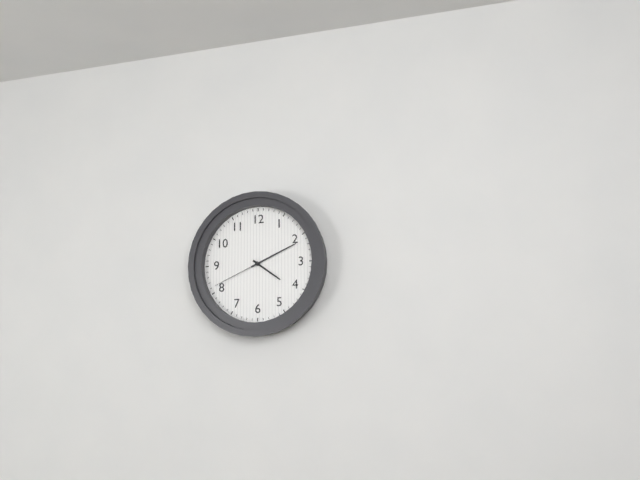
4:11:41
